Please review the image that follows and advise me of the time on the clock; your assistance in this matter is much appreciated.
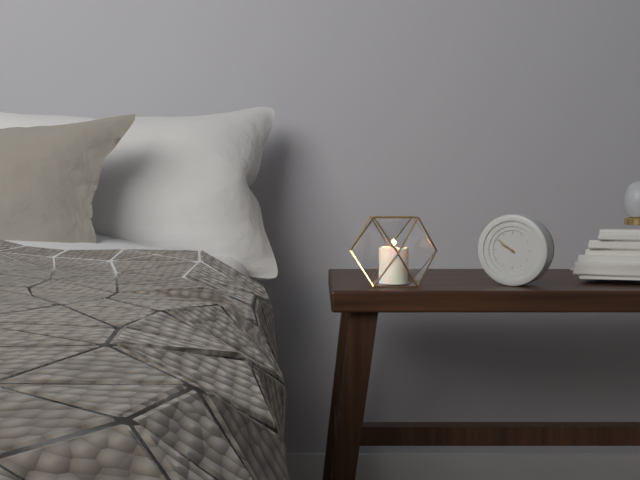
9:51
